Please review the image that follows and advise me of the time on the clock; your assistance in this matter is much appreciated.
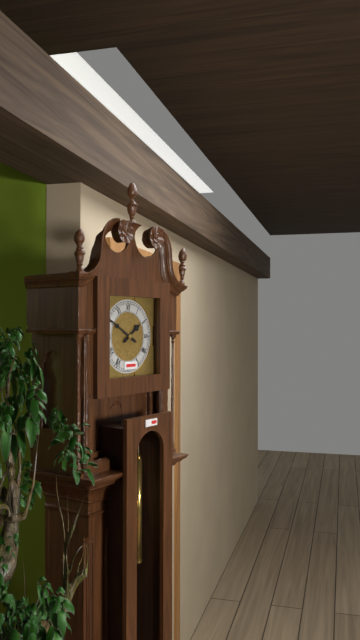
1:50
